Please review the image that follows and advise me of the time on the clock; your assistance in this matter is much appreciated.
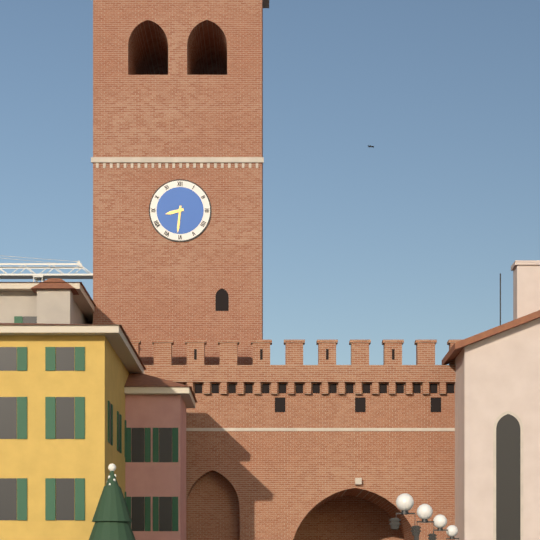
8:31
